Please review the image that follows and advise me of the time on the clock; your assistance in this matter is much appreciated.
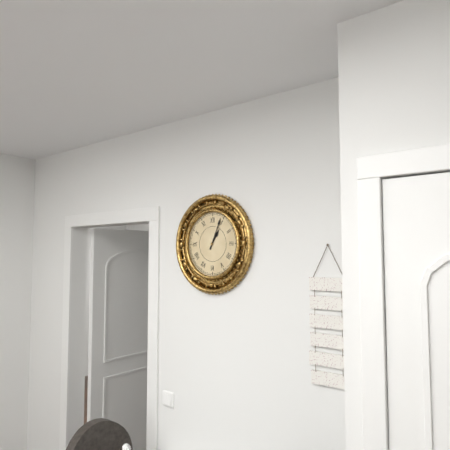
1:04
